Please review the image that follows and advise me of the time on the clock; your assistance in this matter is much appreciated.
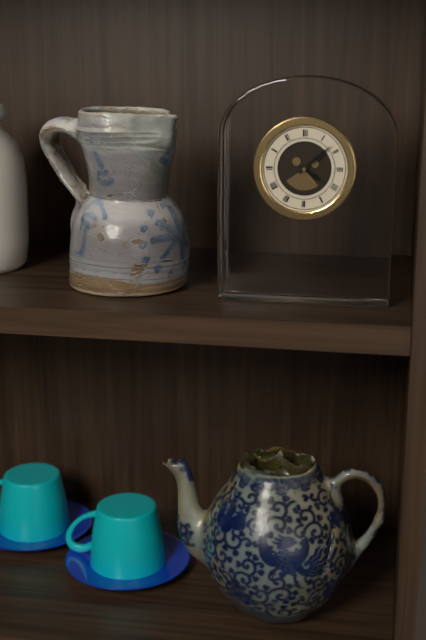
4:08
